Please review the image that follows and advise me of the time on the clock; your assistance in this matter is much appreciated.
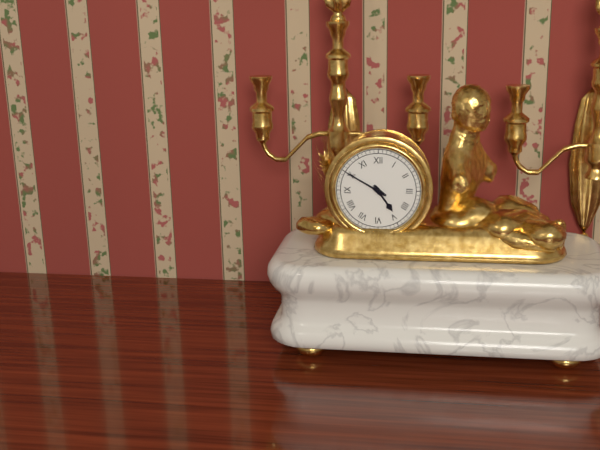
4:50
